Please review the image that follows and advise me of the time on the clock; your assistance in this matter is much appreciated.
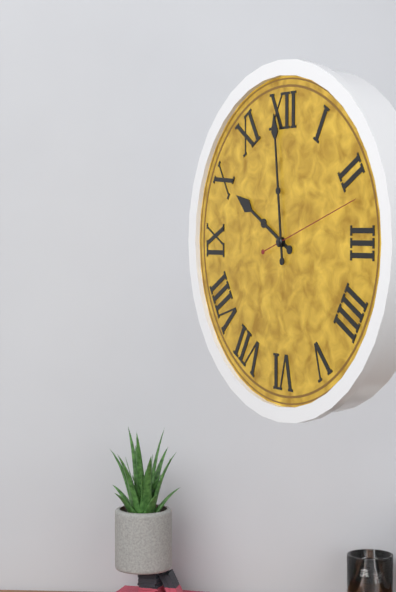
9:59:12
